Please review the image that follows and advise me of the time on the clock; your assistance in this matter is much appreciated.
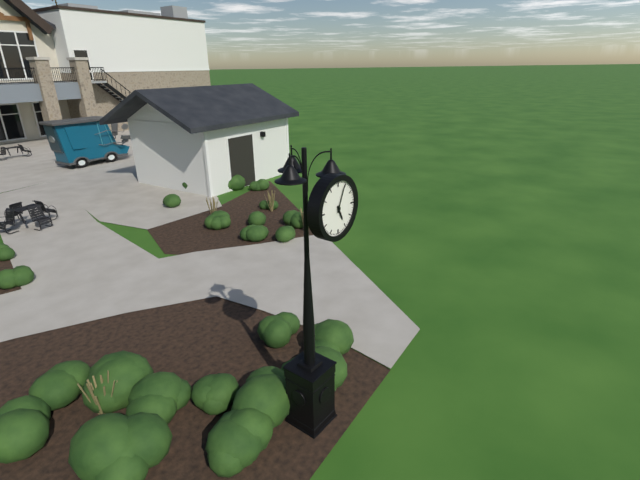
5:04
